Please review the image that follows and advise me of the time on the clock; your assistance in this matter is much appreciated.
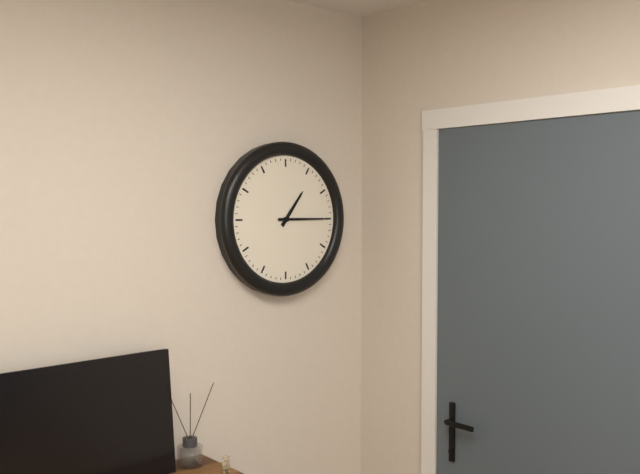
1:15
